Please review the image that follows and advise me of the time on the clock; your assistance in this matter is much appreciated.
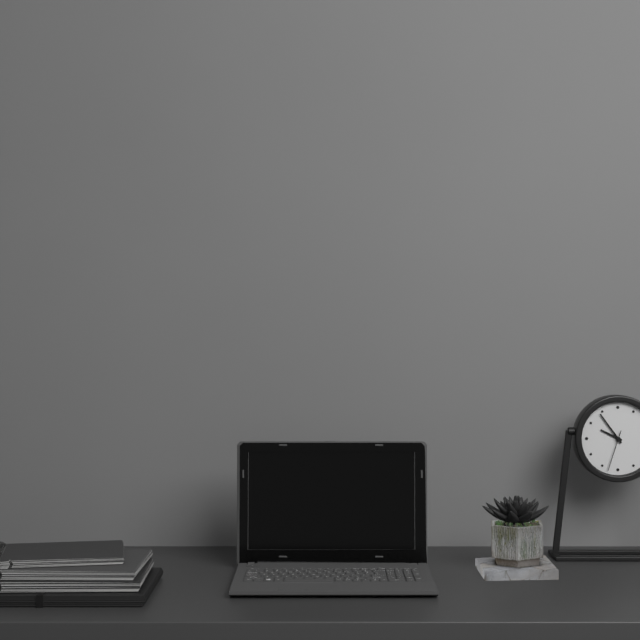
9:54
